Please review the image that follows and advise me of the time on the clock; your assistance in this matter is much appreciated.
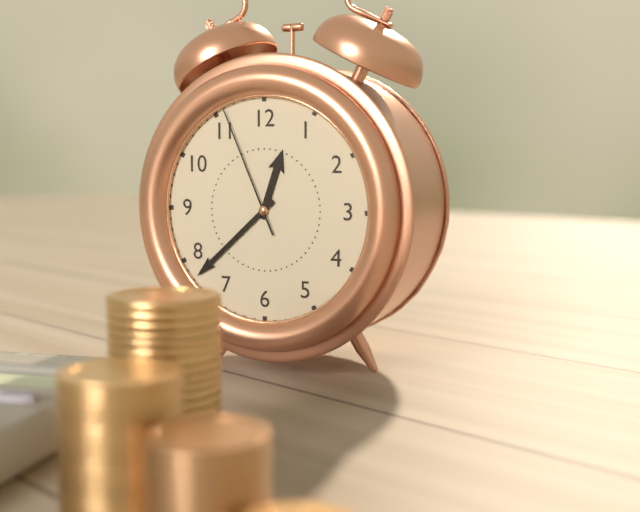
12:38:56
